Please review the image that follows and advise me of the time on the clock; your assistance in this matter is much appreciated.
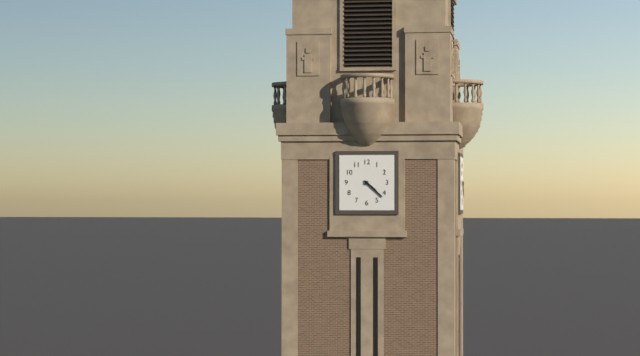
4:22
